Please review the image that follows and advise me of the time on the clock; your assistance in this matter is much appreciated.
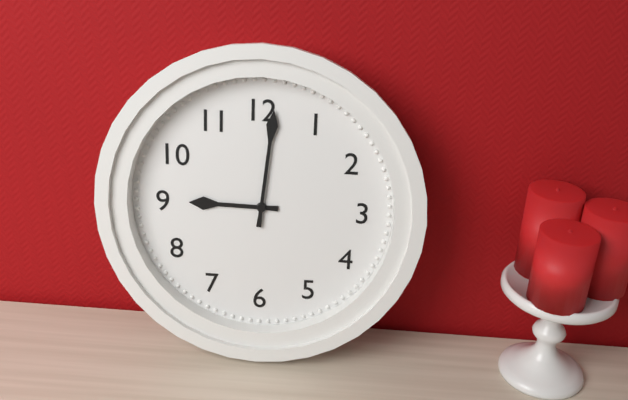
9:01
